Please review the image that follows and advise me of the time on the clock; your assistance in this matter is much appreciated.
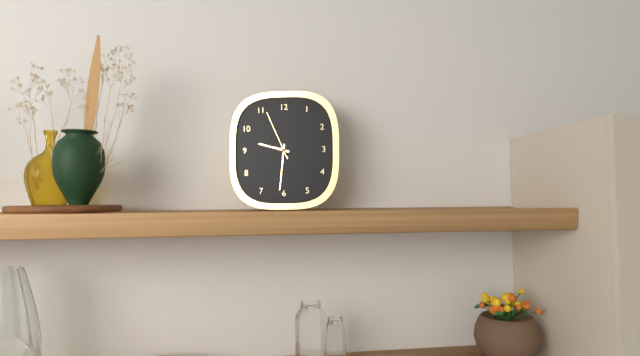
9:31:56
